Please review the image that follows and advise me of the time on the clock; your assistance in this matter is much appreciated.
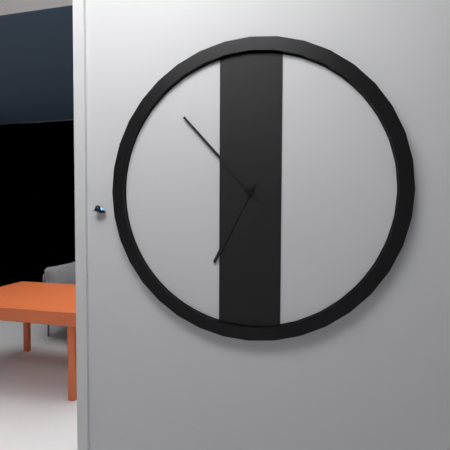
6:53
